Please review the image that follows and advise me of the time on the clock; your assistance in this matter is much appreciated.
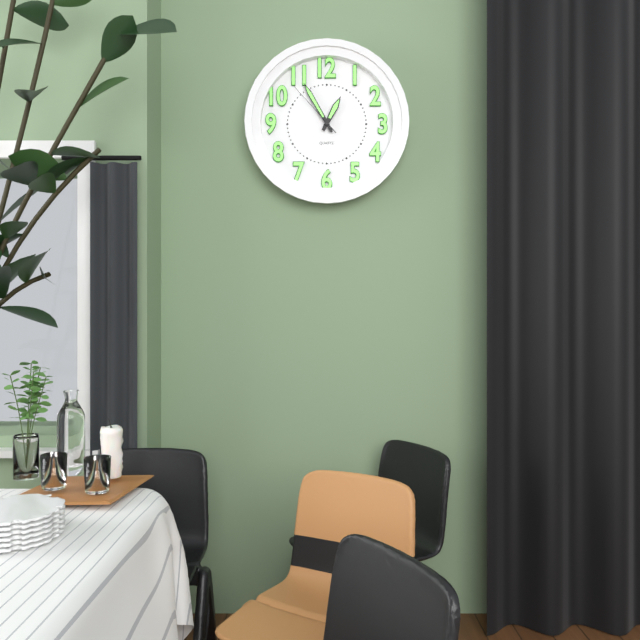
12:55:53
